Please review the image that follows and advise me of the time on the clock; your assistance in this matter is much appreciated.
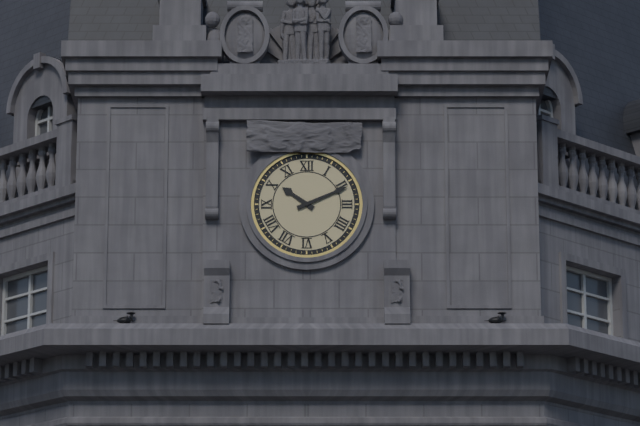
10:11
